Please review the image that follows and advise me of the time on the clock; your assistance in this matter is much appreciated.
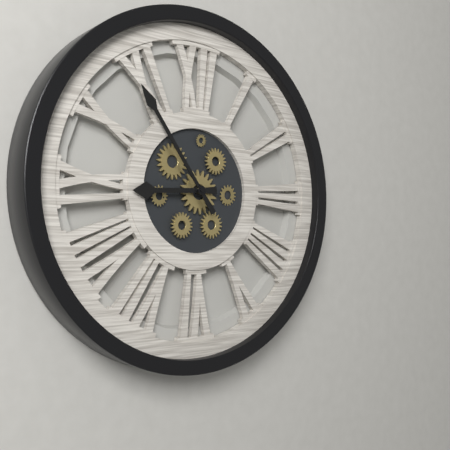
8:54
